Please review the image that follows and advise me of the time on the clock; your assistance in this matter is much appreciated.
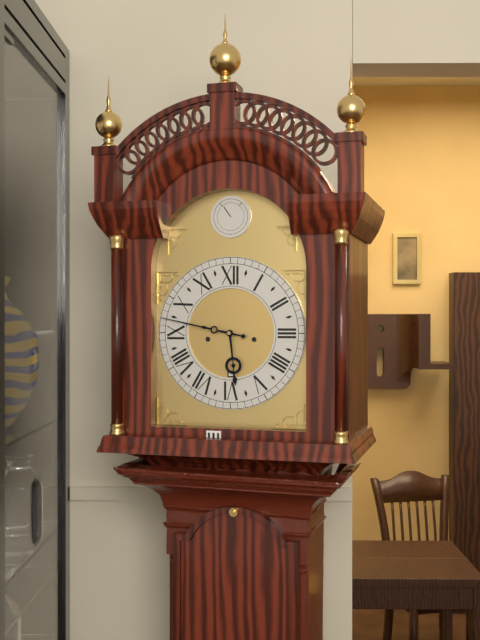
5:47
